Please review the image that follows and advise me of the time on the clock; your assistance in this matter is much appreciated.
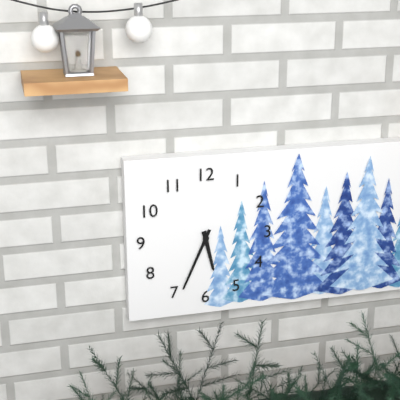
5:34
